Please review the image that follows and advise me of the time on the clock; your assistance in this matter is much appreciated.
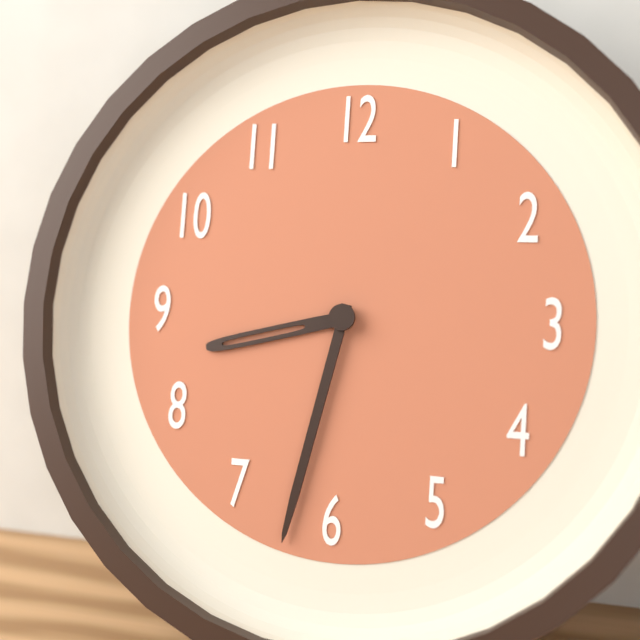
8:32
